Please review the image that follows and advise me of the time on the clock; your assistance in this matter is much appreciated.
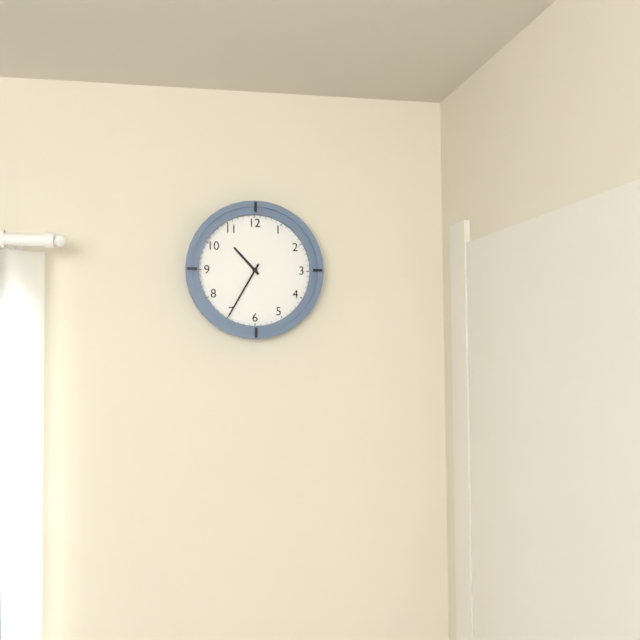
10:35
